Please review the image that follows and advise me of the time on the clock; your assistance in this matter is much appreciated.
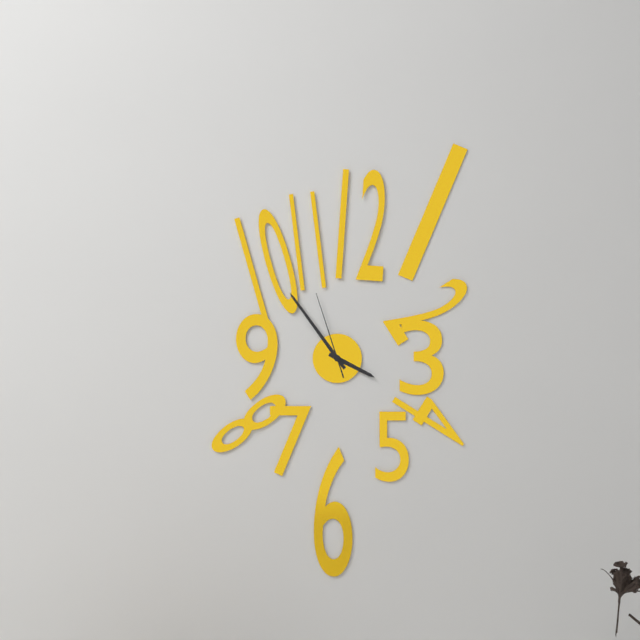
3:54:57
